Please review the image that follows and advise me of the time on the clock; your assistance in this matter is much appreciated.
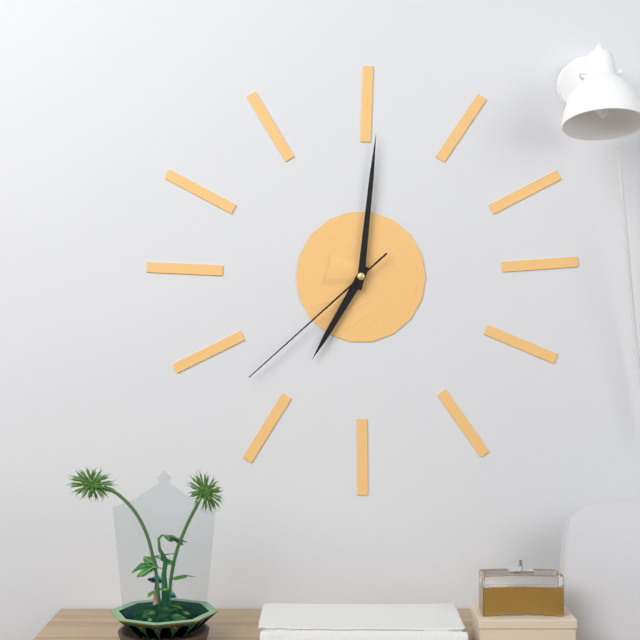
7:01:38
